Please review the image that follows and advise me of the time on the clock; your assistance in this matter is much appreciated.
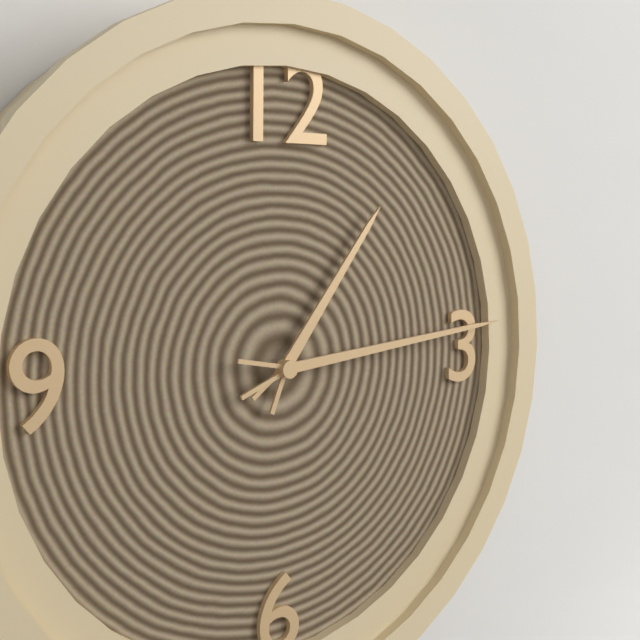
1:14
